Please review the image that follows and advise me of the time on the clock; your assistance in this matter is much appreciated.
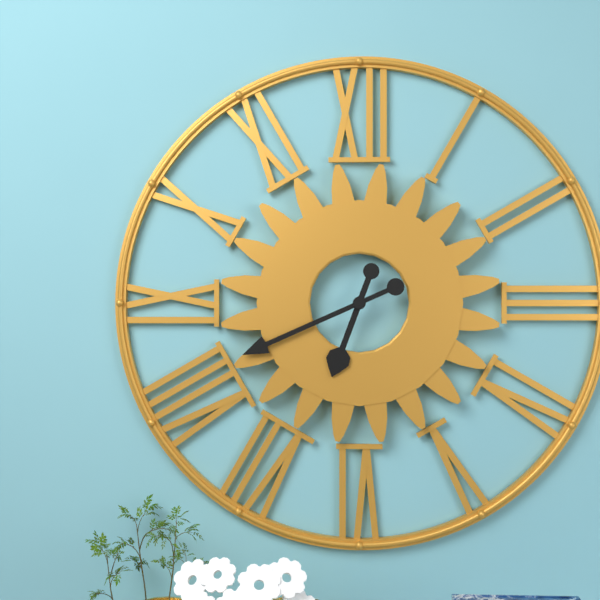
6:41
